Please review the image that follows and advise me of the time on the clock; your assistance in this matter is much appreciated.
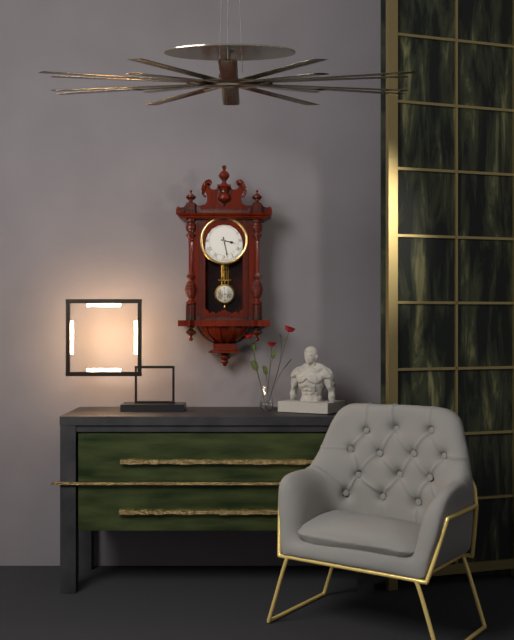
3:28
